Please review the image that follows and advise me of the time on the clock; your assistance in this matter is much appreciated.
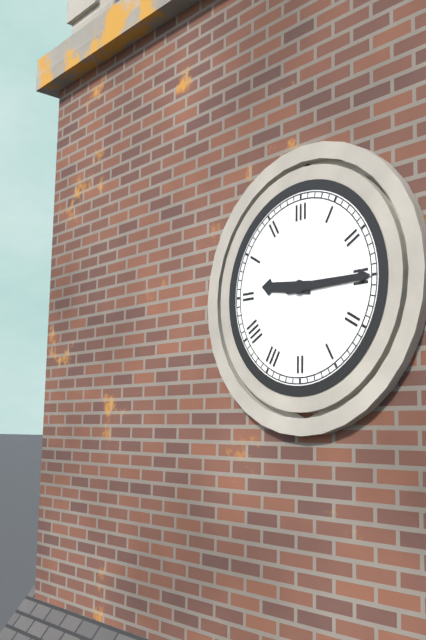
9:15
